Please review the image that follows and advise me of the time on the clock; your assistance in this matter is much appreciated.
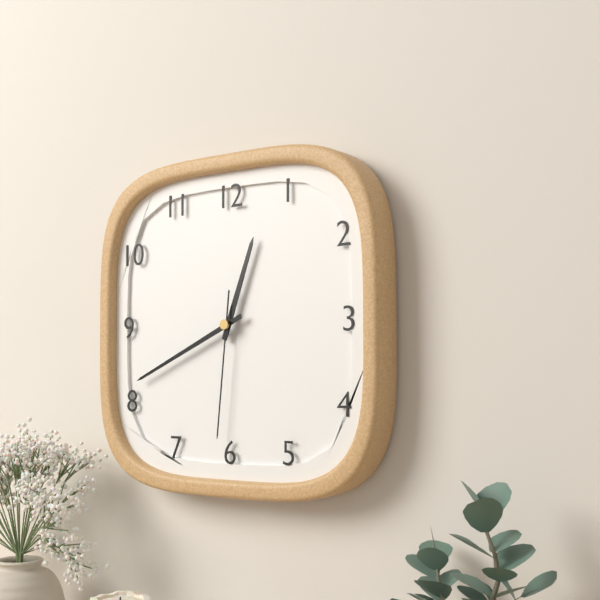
12:41:31
